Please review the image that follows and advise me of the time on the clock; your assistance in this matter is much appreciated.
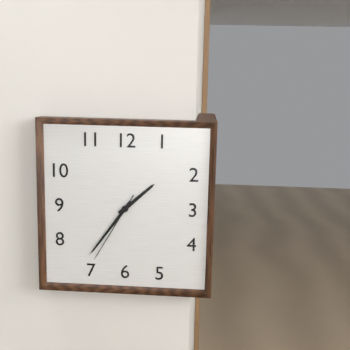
1:36:35
